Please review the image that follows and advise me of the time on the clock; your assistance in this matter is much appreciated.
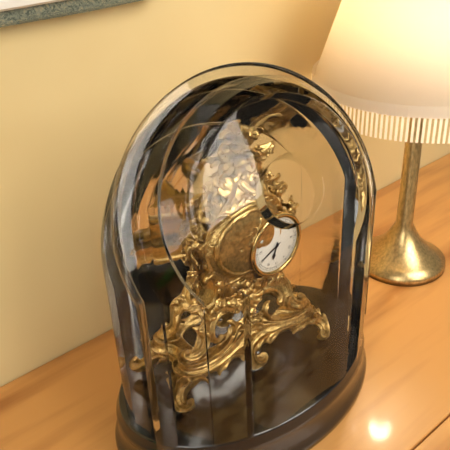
6:41
